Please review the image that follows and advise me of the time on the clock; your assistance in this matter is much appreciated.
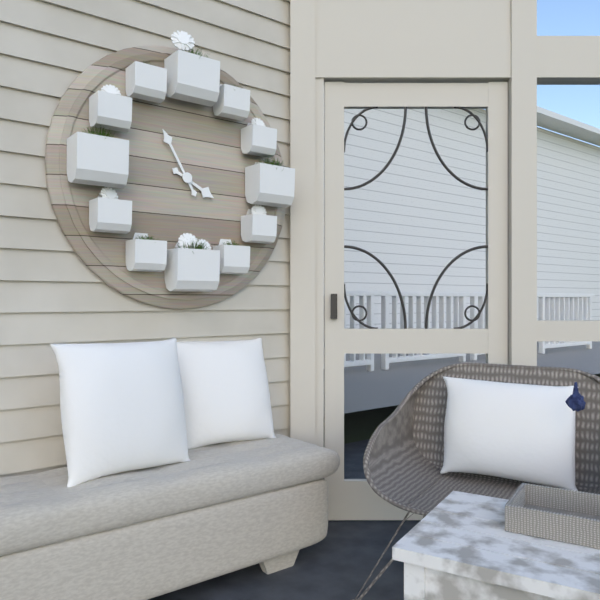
3:55
